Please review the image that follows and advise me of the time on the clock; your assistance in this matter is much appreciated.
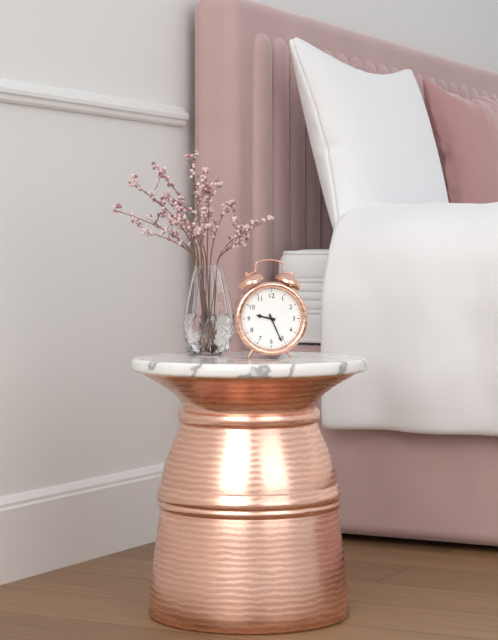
9:26
